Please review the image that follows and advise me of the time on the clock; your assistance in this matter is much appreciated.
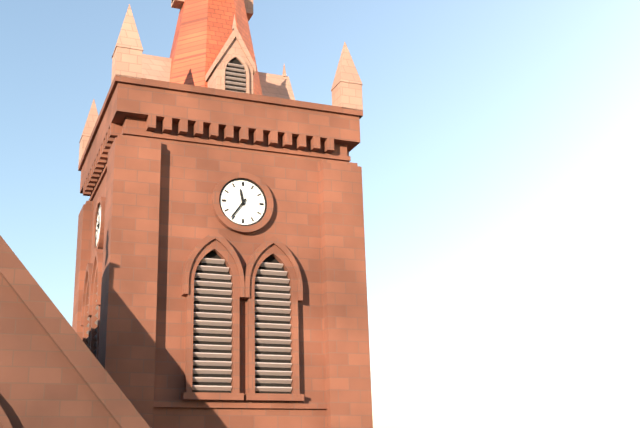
11:36
